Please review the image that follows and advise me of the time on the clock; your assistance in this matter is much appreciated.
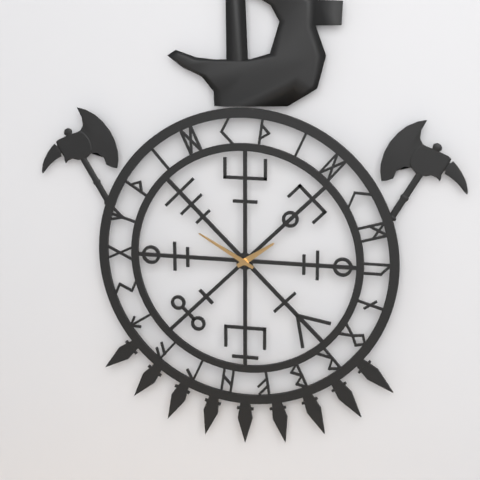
1:50
